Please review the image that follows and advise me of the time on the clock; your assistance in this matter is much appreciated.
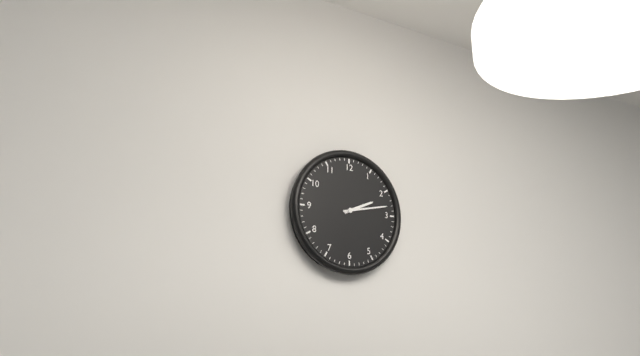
2:13
